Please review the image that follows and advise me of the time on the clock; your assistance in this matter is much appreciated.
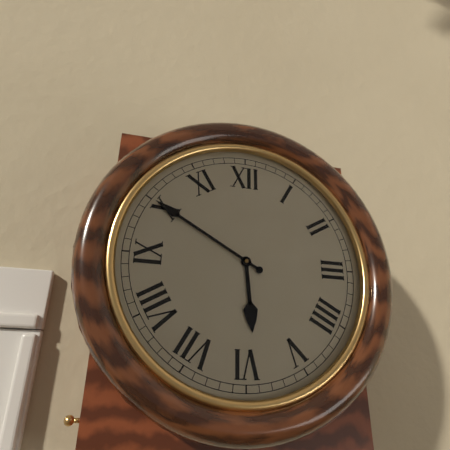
5:50
